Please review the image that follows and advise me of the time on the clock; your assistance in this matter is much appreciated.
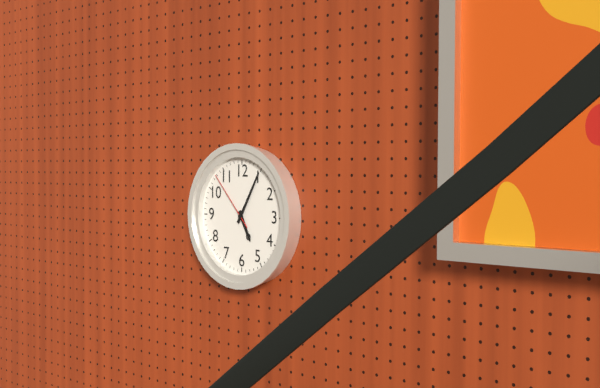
5:05:53
